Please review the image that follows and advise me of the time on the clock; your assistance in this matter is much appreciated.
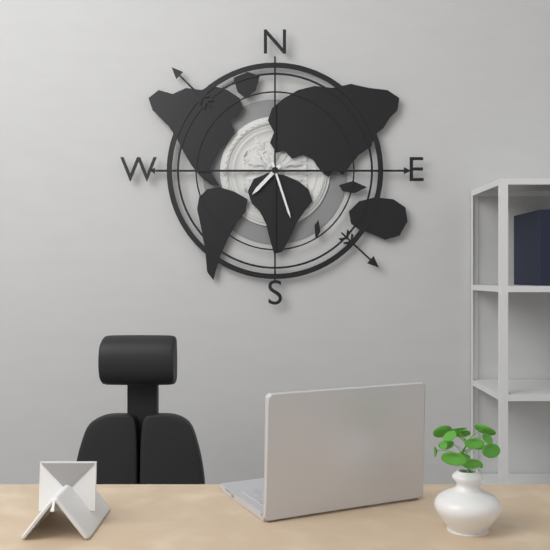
7:27
